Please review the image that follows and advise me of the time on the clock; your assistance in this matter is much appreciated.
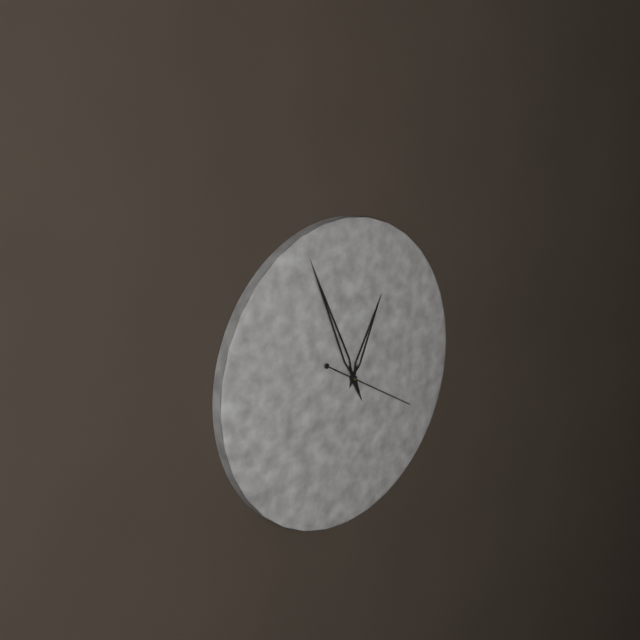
12:56:20
